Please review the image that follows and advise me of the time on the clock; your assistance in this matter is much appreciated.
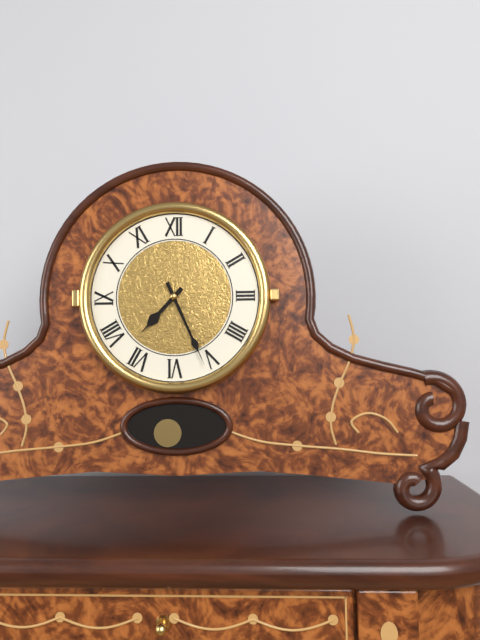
7:26
